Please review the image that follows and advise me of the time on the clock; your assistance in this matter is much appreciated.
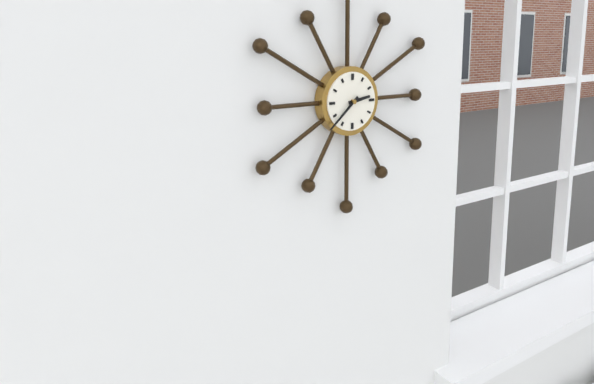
2:38
